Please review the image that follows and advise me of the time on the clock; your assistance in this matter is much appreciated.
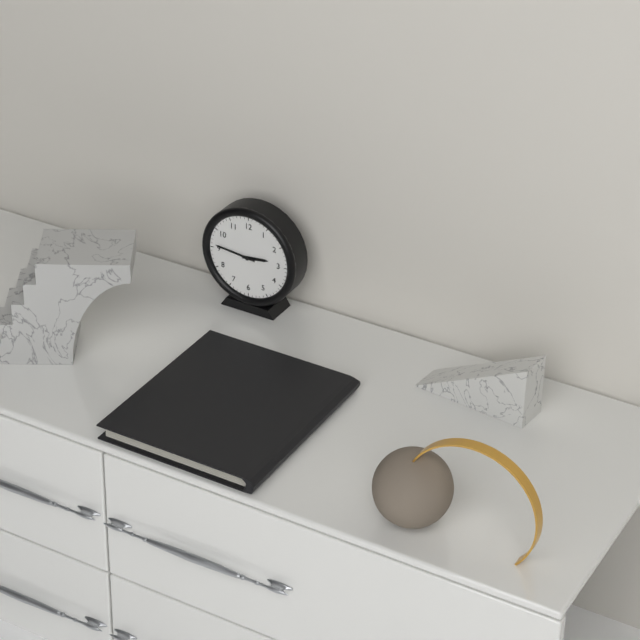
2:46
